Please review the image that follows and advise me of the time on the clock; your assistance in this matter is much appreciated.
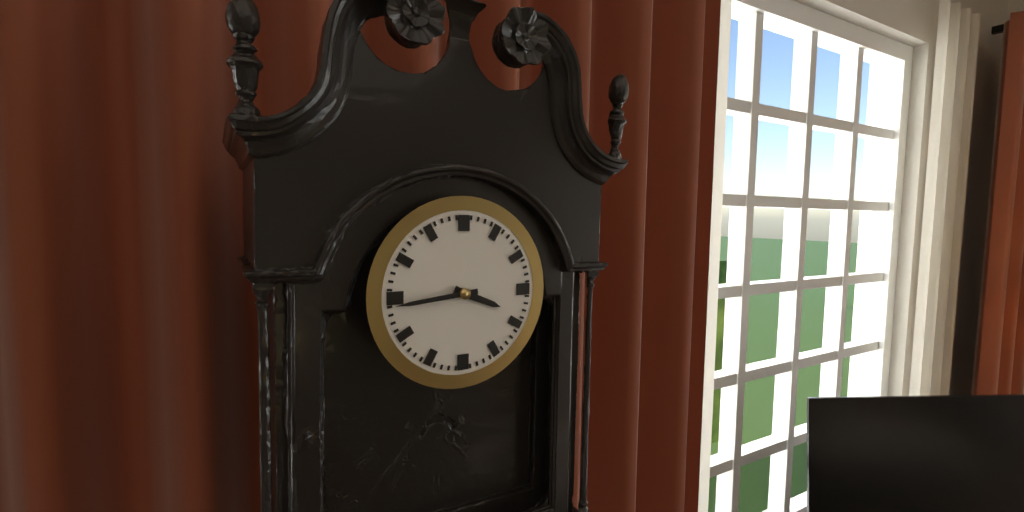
3:44
